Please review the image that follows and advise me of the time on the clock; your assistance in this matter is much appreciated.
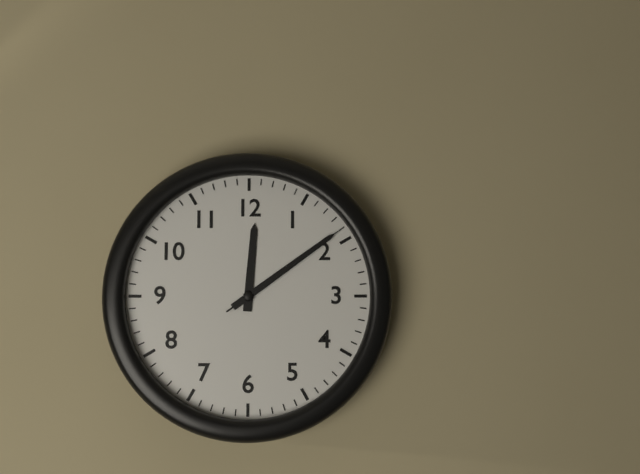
12:09:09
